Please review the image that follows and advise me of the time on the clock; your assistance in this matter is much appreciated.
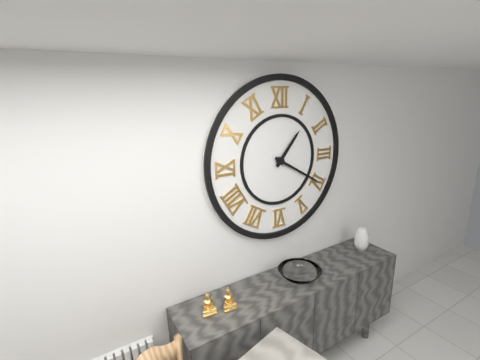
1:20
